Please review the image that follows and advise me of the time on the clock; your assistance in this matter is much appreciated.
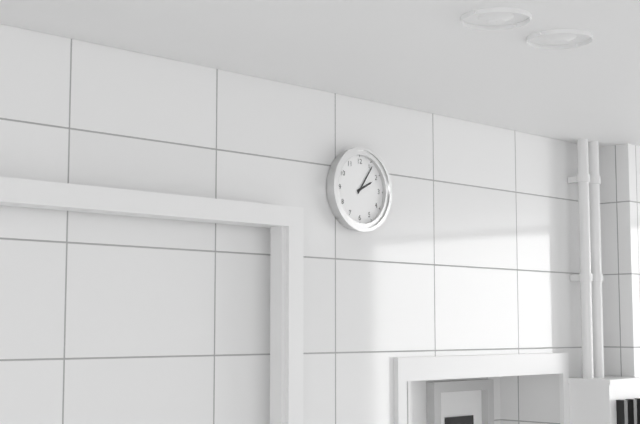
2:06
